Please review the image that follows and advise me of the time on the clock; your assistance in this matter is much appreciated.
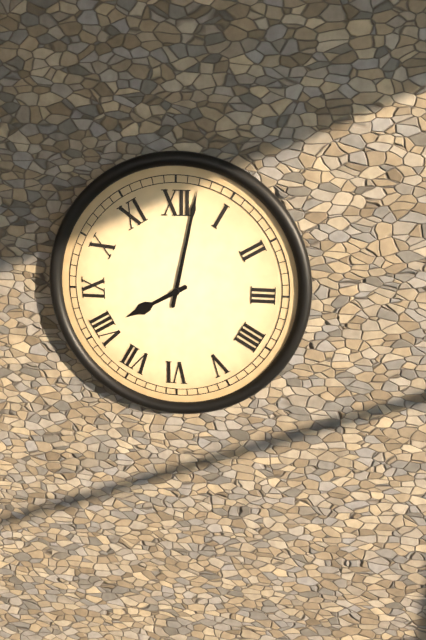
8:02
